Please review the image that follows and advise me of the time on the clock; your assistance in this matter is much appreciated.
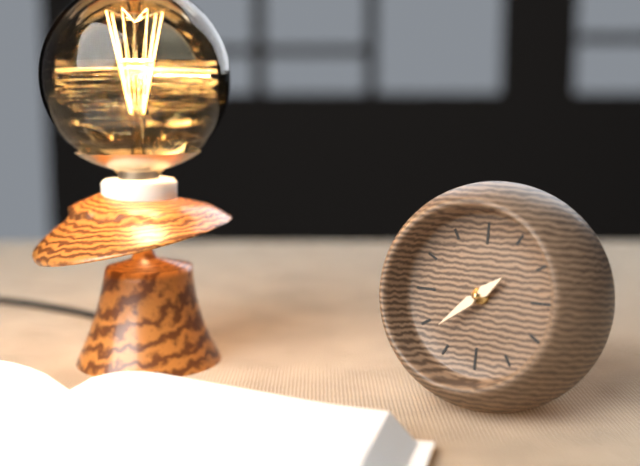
1:38
